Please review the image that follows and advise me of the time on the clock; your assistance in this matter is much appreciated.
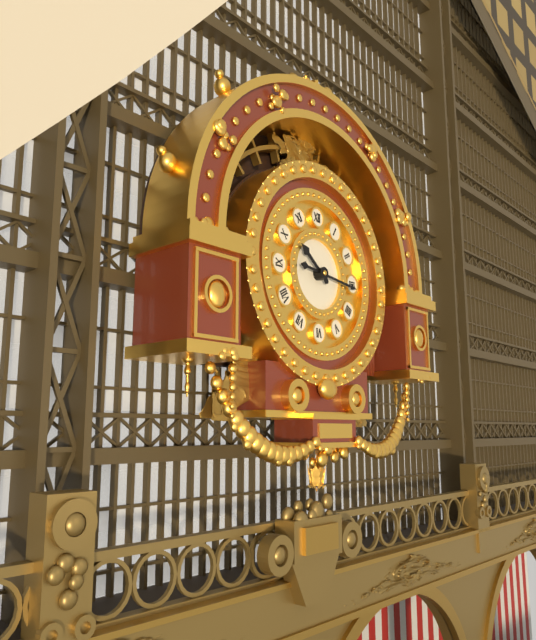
10:16
